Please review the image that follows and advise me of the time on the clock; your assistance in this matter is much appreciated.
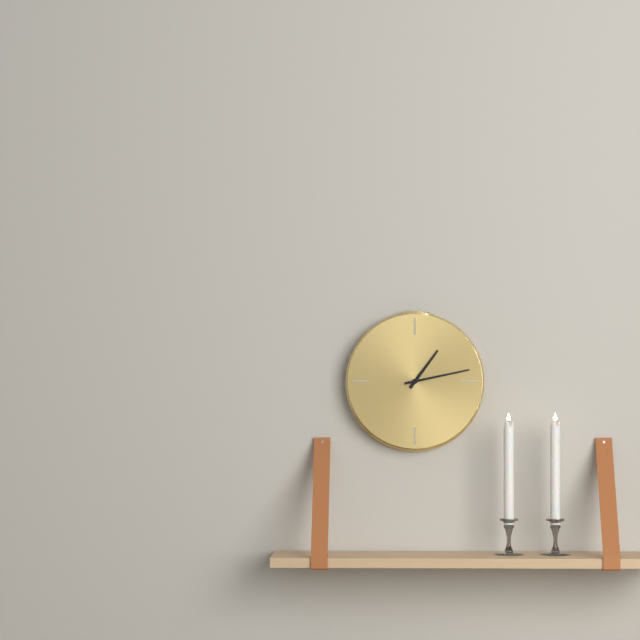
1:13
